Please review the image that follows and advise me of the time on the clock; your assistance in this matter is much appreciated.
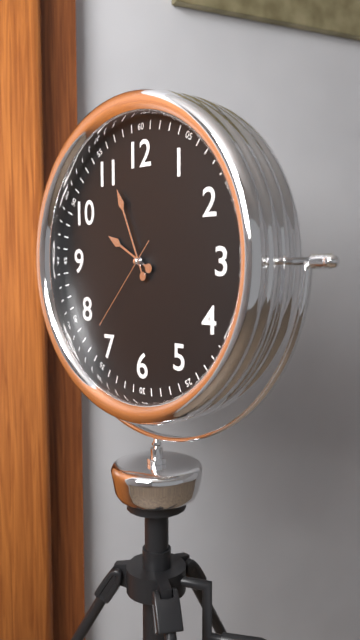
9:56:37
